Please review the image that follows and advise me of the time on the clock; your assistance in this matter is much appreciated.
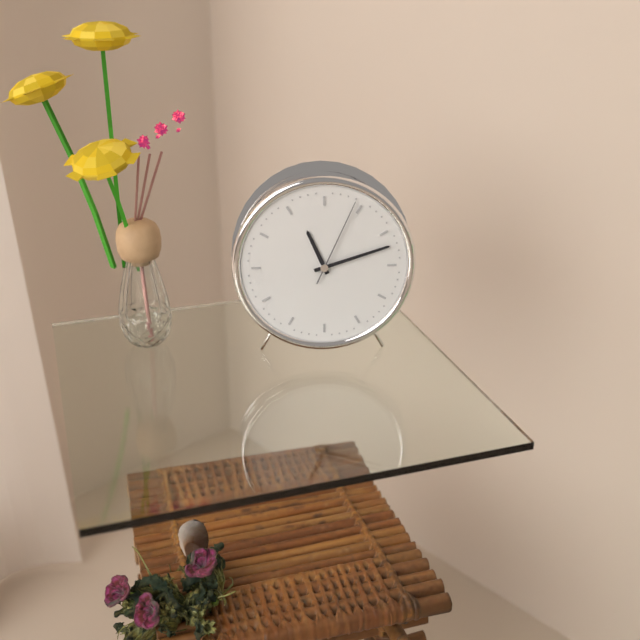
11:12:04
